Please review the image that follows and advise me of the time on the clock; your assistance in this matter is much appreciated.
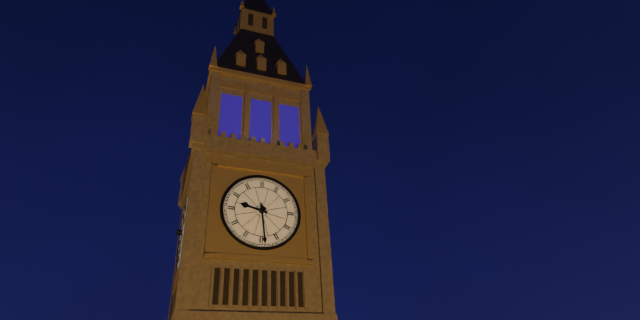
9:29
